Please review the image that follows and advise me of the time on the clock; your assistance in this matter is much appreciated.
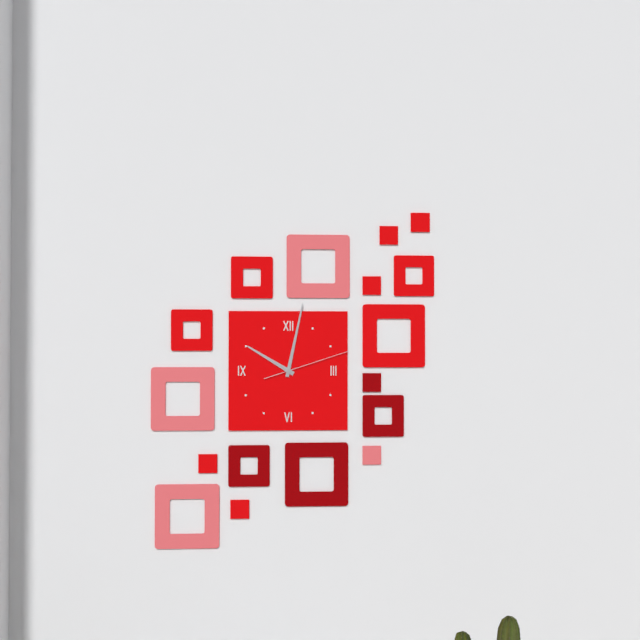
10:02:12
